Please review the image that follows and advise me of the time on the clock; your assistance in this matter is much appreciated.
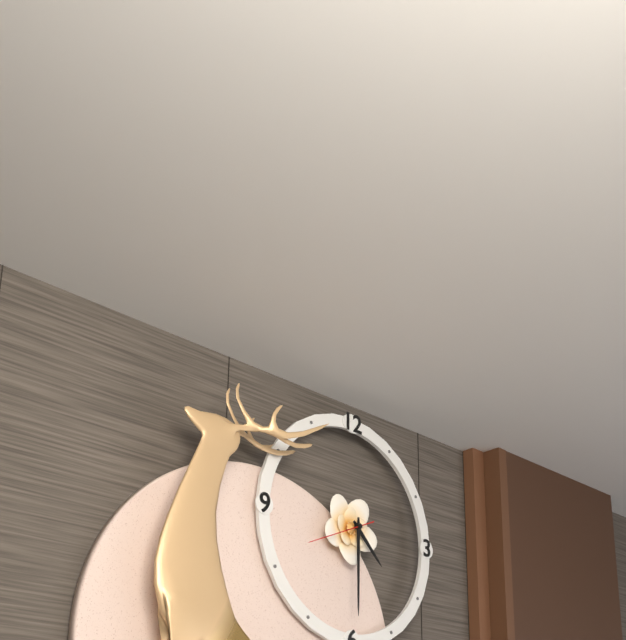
4:30:41
